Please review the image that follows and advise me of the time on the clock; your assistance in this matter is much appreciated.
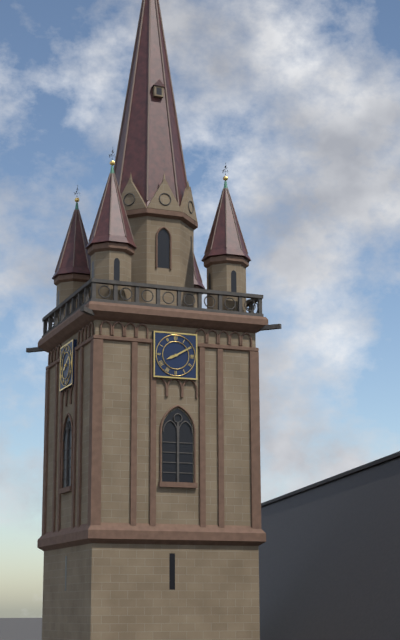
8:10
